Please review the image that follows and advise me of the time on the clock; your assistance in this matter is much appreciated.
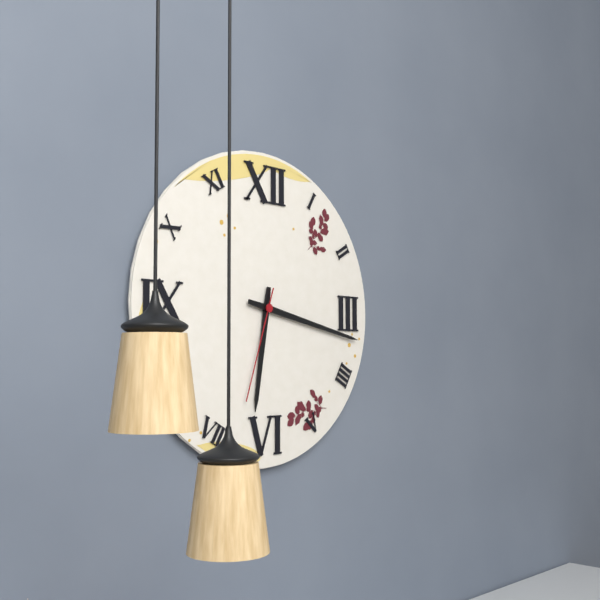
6:17:33
